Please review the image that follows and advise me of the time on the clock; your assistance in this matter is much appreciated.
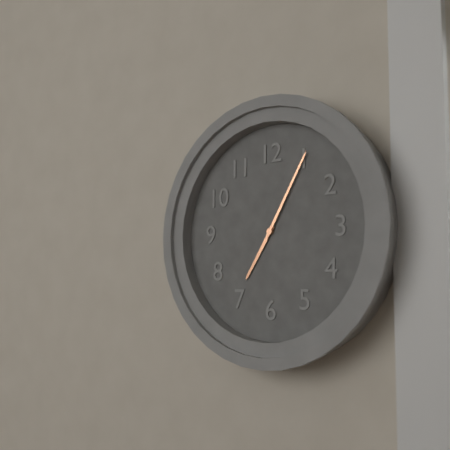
7:05
